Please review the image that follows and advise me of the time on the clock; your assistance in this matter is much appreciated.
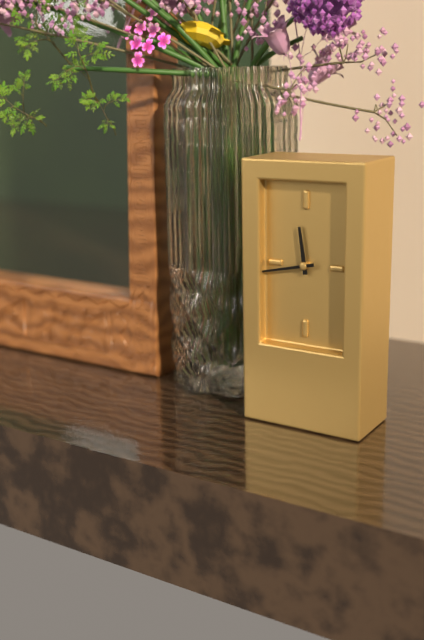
11:43
